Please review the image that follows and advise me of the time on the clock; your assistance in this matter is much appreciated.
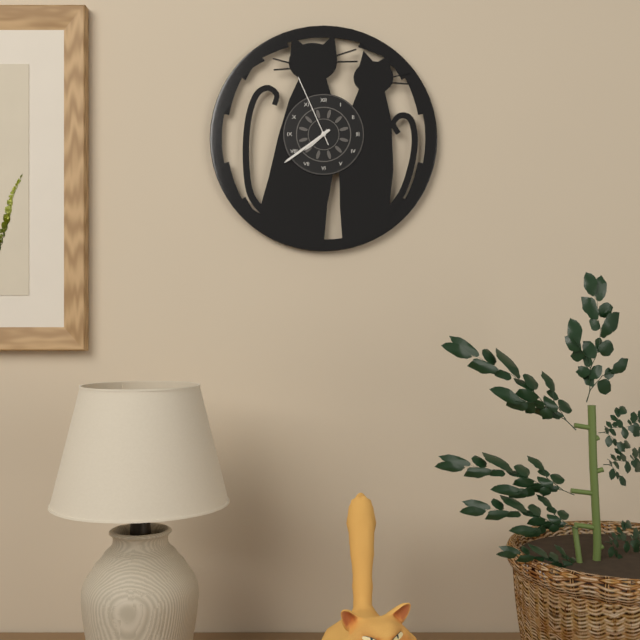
7:39:56
